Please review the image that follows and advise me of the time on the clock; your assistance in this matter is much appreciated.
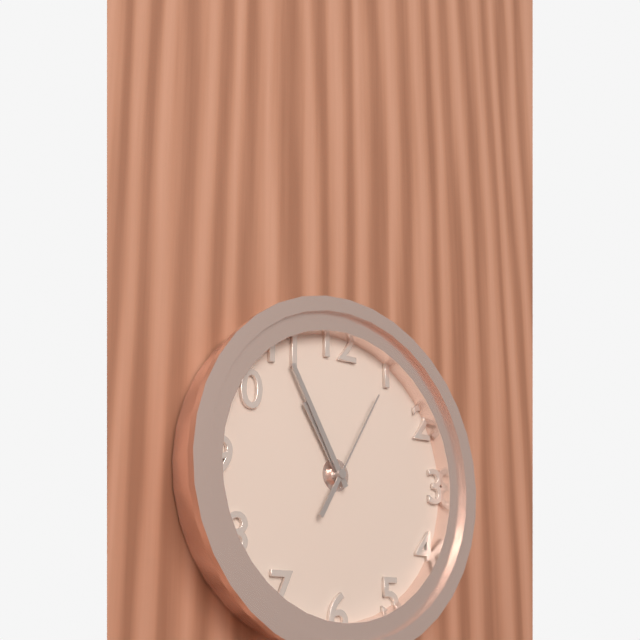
10:55:05
